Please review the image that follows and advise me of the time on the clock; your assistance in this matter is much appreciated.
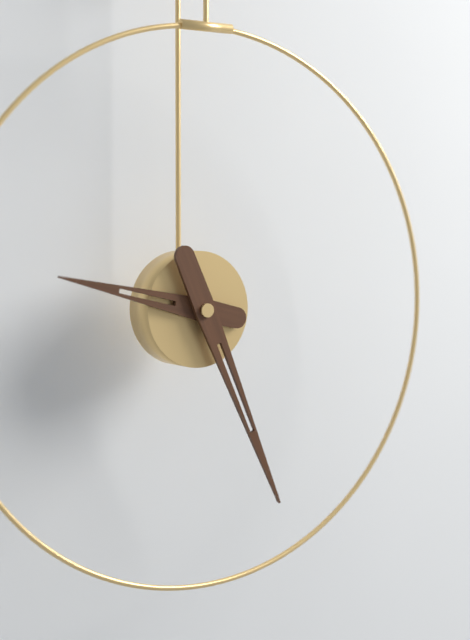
9:26
